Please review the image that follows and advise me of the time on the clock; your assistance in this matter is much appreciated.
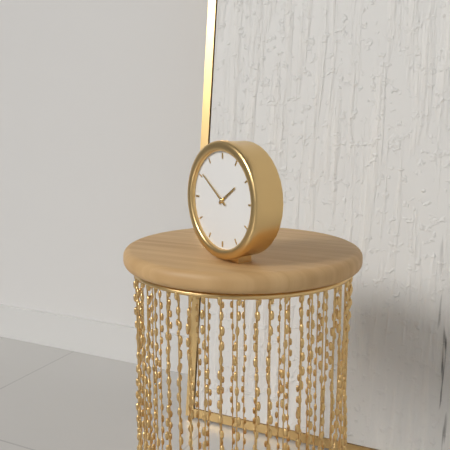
1:51
